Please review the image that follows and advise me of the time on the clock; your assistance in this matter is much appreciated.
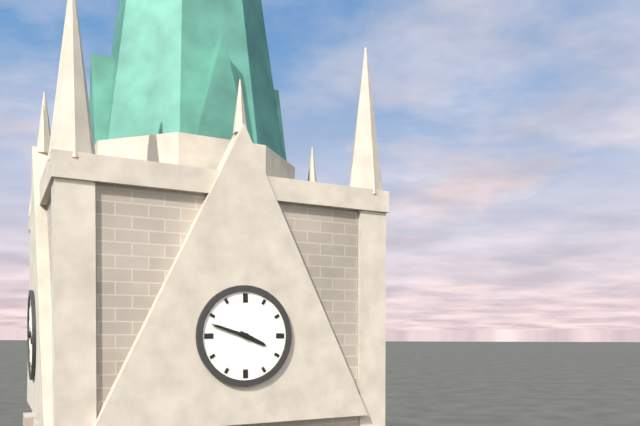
3:48
